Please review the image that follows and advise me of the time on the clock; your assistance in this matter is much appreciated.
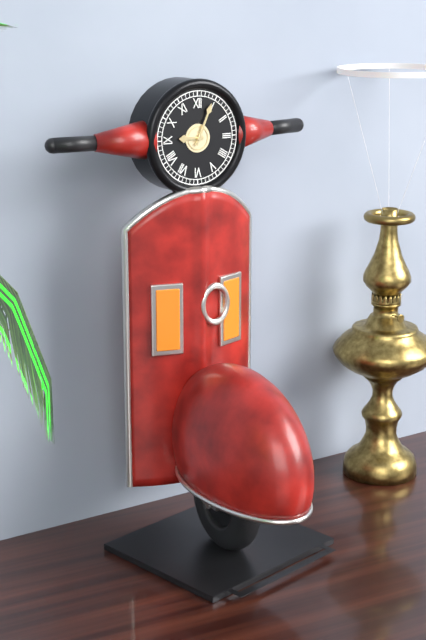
9:04
